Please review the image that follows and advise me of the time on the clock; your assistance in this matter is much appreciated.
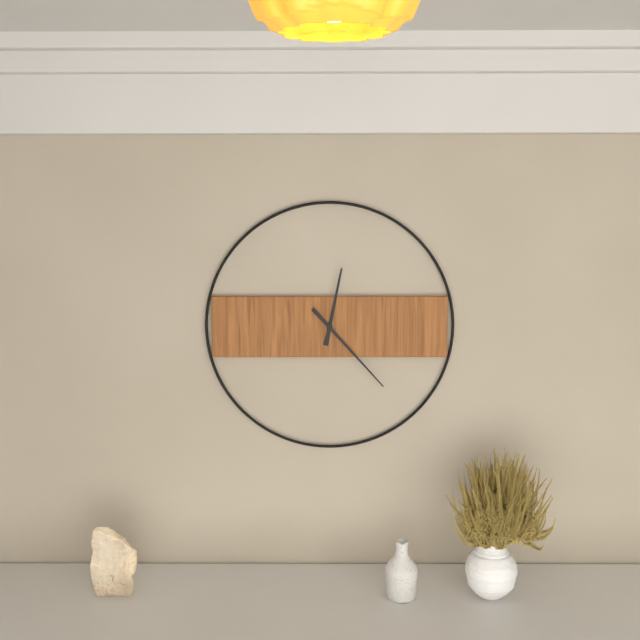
12:23
